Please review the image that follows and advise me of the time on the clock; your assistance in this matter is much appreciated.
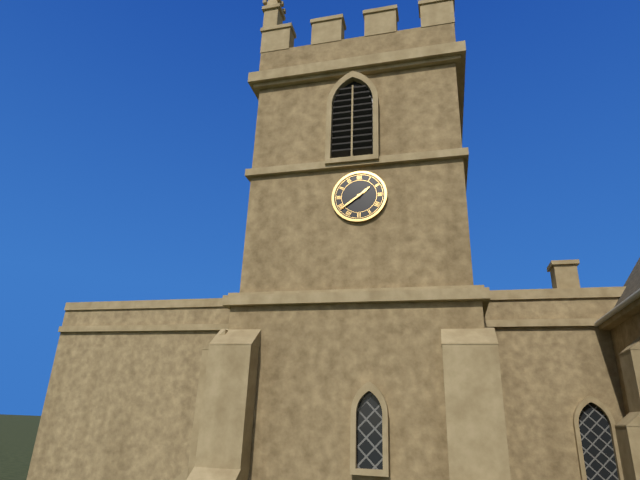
1:39
